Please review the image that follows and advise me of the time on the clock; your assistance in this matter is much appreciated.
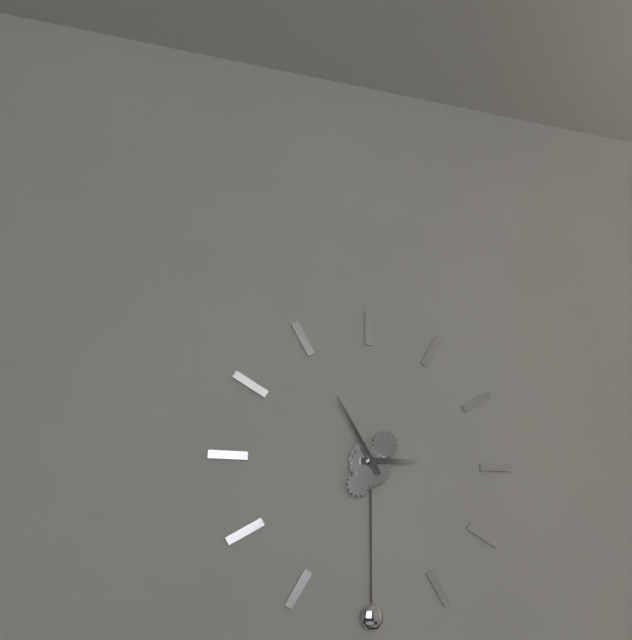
2:55
